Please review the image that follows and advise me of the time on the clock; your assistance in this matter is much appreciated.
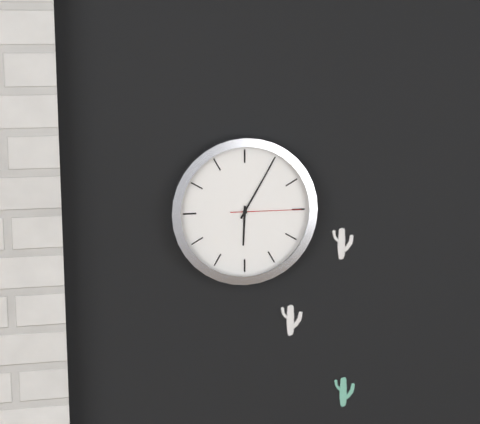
6:05:15
